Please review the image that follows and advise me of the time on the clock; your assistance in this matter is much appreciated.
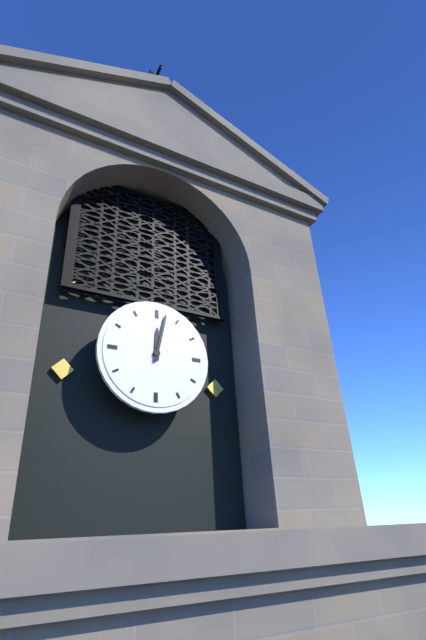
12:02
